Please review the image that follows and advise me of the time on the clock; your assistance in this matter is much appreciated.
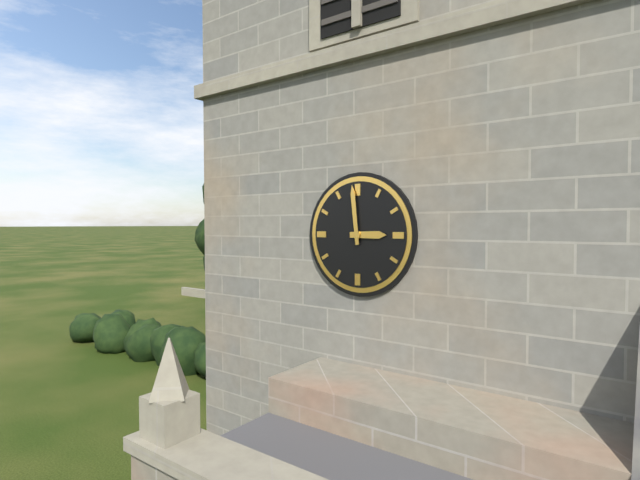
2:59
